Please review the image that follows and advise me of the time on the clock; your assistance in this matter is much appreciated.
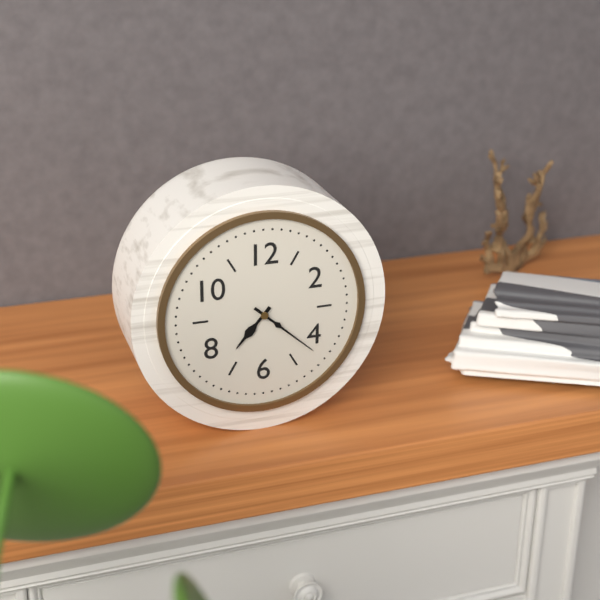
7:22
